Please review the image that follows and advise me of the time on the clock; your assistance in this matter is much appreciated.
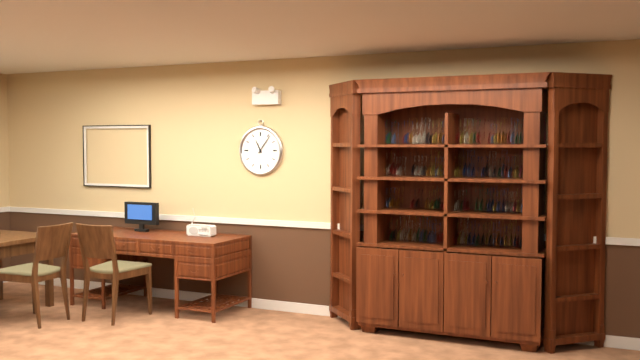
11:06
